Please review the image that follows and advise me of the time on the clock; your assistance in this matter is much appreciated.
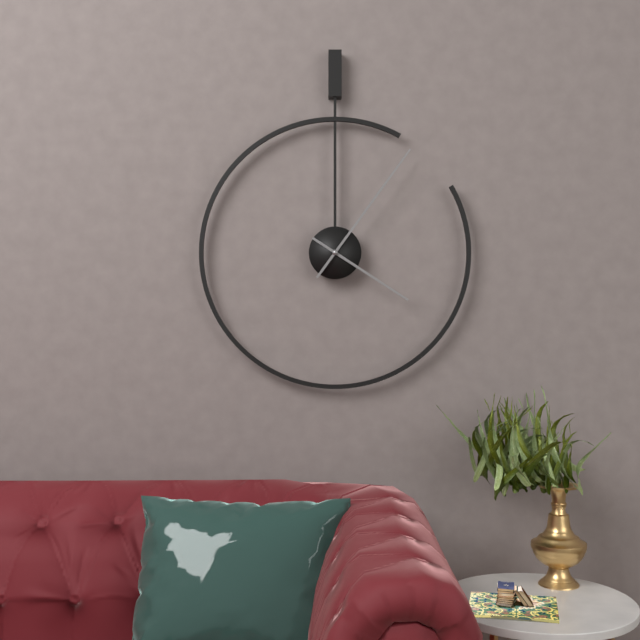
4:06
